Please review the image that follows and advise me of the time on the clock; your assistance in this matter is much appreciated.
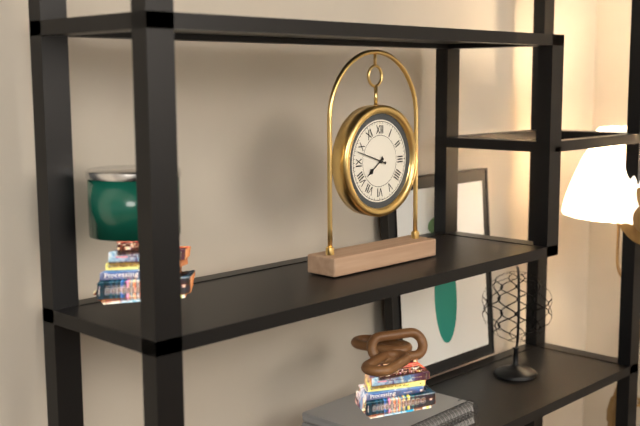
7:48
